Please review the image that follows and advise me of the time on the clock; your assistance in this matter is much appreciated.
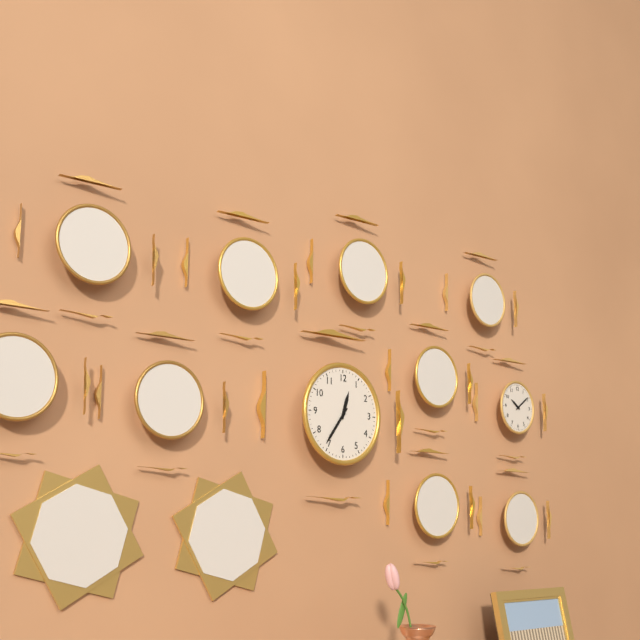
12:36
